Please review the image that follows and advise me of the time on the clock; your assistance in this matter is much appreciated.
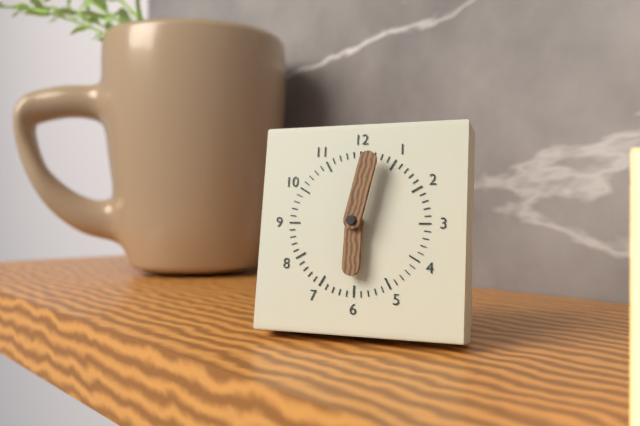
6:02
